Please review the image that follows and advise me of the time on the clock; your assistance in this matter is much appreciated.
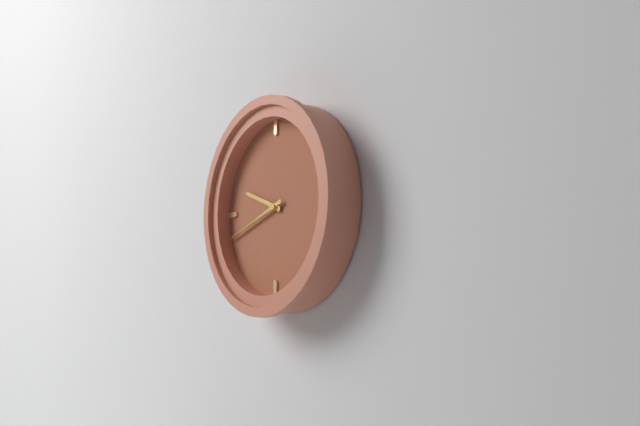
9:42
